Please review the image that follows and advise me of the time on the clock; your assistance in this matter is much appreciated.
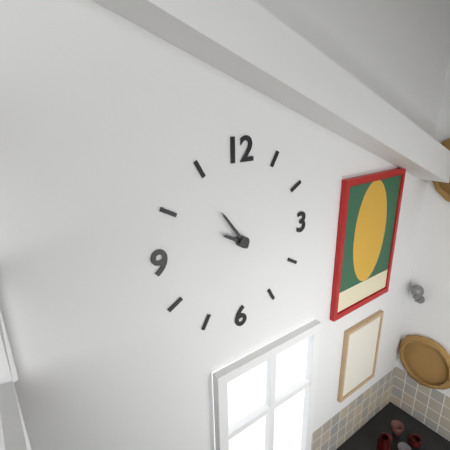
9:54
